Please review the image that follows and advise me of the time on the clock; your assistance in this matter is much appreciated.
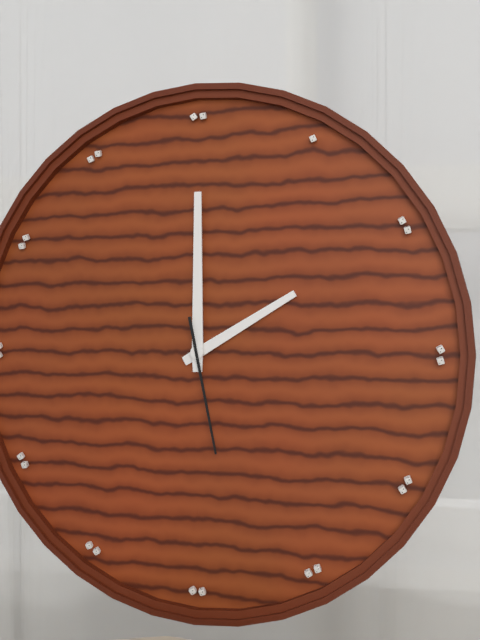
2:00:28
